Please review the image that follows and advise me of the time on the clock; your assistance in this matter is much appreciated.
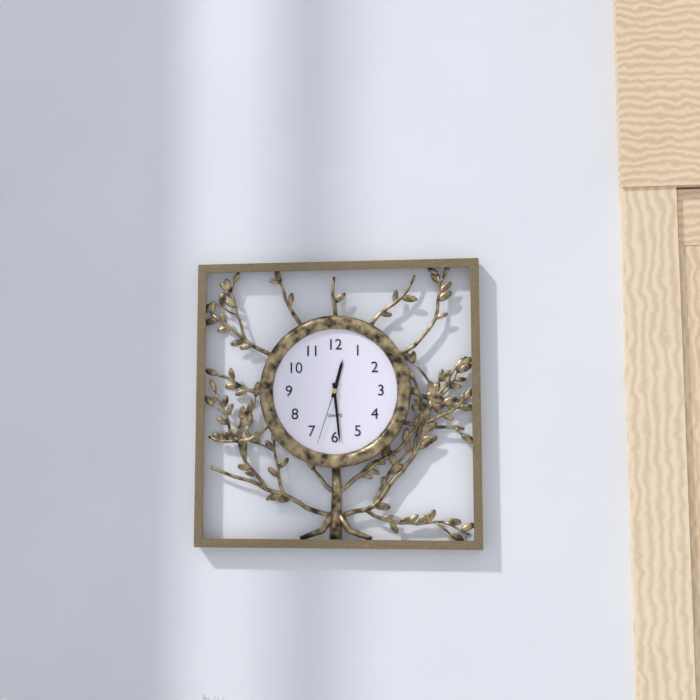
12:29:33
